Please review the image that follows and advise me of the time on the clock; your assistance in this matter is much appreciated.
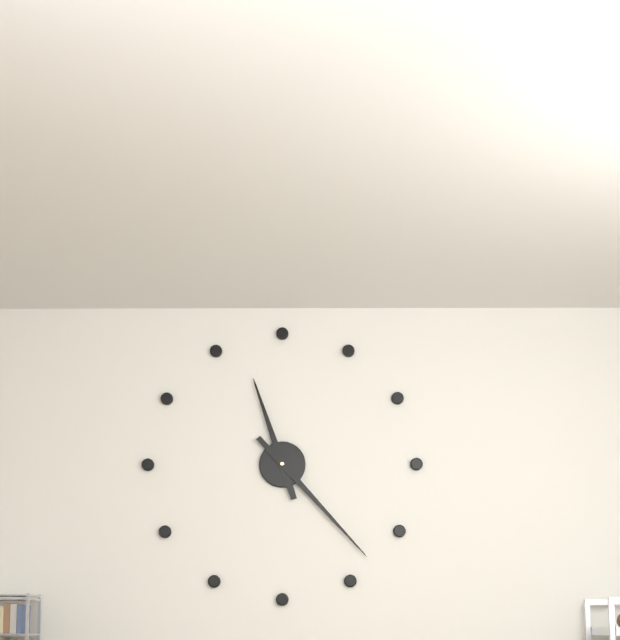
11:23
